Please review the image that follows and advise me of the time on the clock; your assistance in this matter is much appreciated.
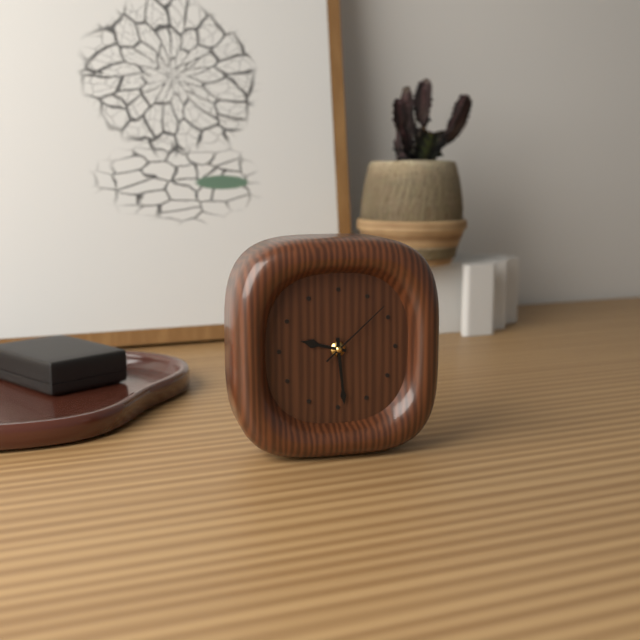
9:29:08
